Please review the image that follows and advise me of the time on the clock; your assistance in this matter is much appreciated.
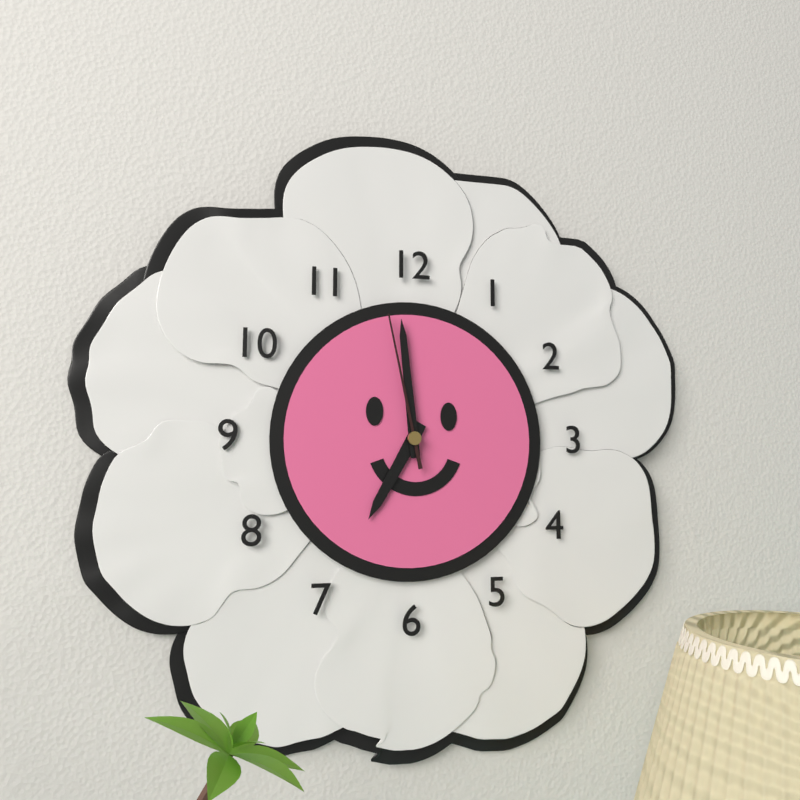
6:59:58
